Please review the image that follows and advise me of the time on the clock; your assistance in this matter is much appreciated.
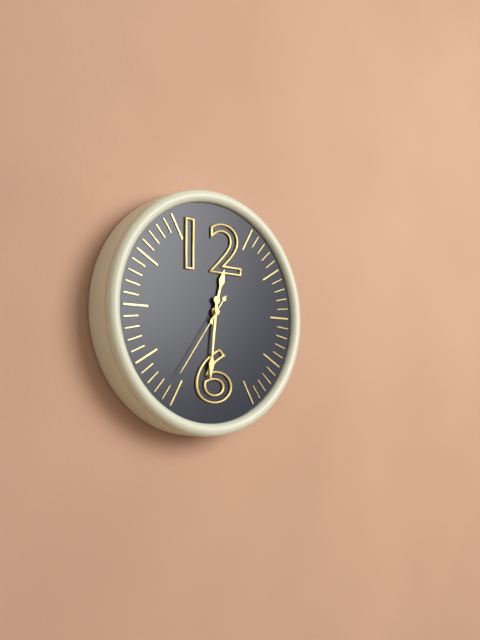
12:31:36
